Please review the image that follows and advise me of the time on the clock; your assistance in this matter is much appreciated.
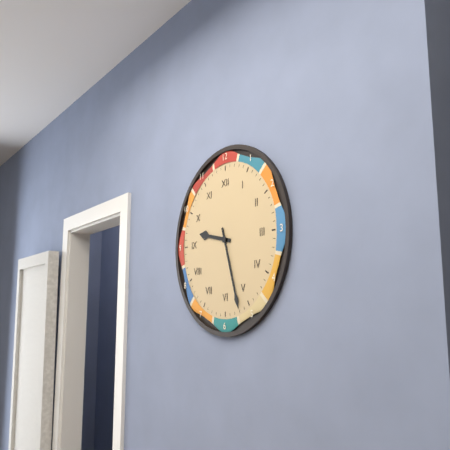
9:27
